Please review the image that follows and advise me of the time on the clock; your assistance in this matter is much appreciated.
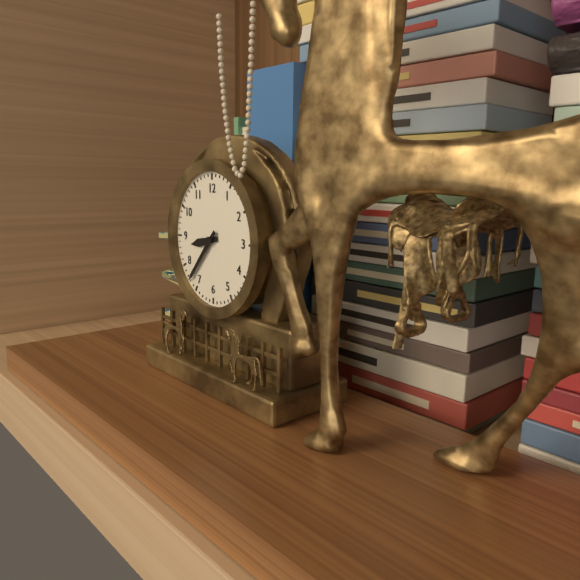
8:37
